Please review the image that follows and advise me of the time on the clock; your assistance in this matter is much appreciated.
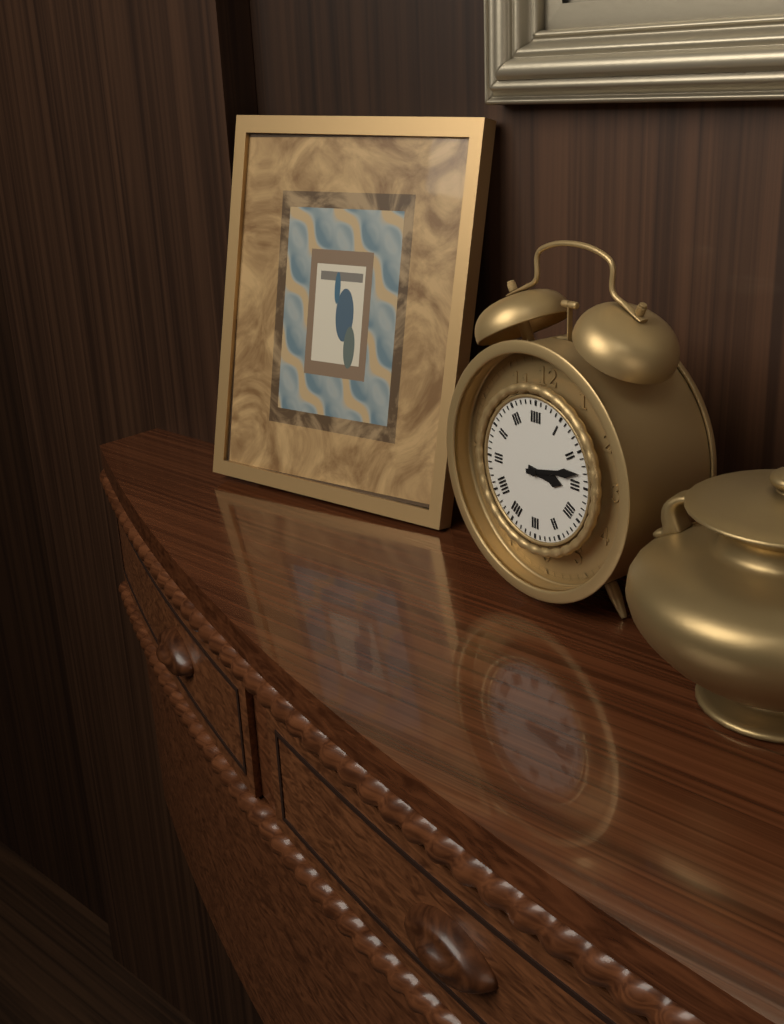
3:13
